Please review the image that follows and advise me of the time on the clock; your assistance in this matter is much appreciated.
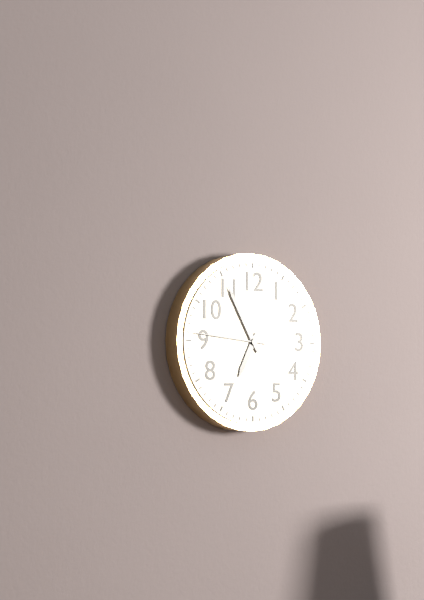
6:55:46
